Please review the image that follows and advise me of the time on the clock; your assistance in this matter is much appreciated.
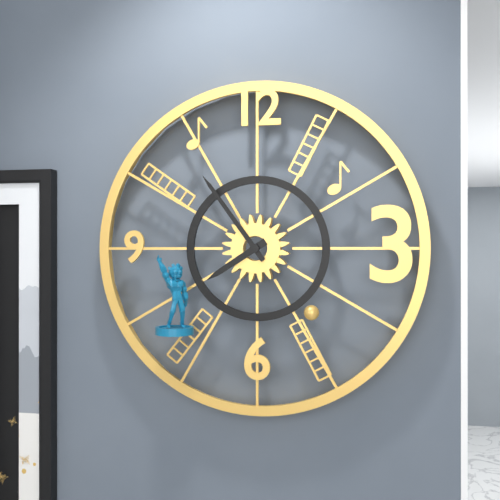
7:54
